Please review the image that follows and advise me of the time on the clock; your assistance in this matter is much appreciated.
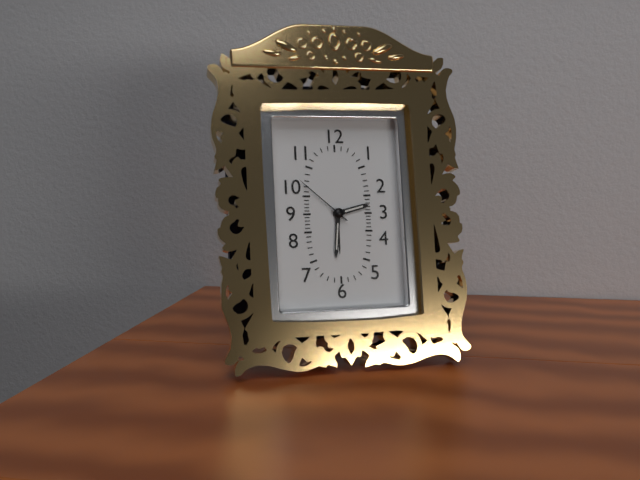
2:31:52
